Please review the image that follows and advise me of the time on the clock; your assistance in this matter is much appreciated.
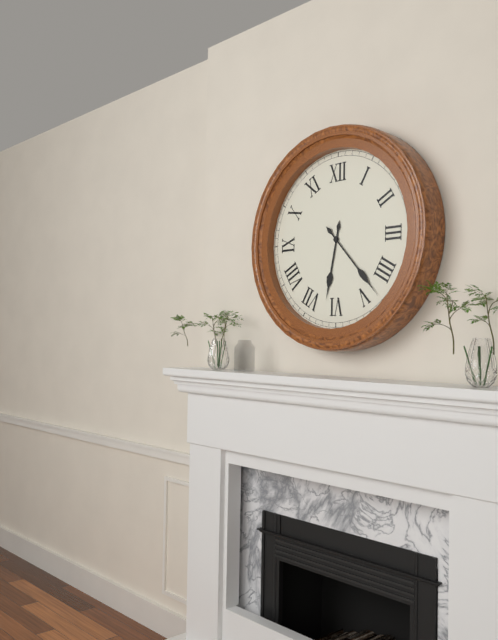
6:23
